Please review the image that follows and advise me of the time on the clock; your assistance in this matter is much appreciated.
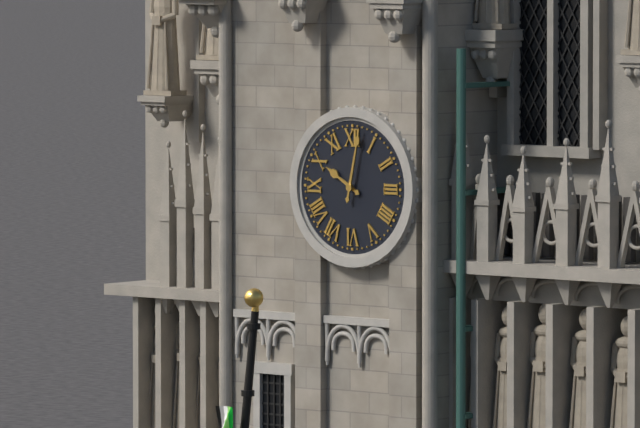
10:02
